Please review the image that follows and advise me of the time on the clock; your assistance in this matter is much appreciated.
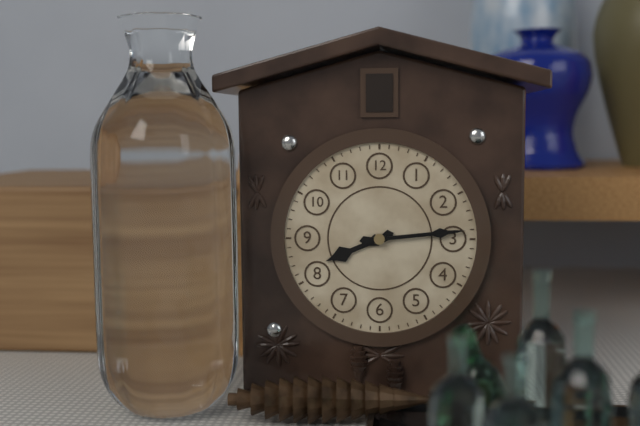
8:14
